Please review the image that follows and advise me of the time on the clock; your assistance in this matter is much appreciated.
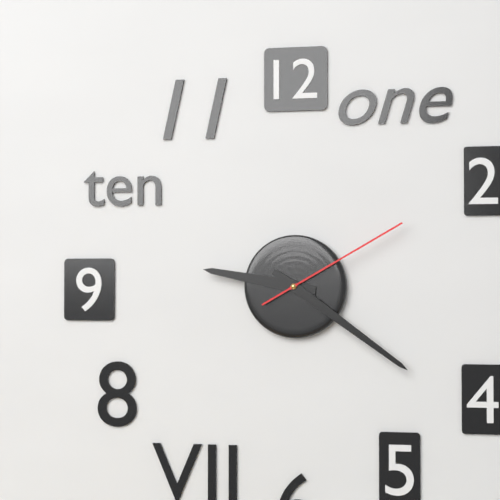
9:21:10
